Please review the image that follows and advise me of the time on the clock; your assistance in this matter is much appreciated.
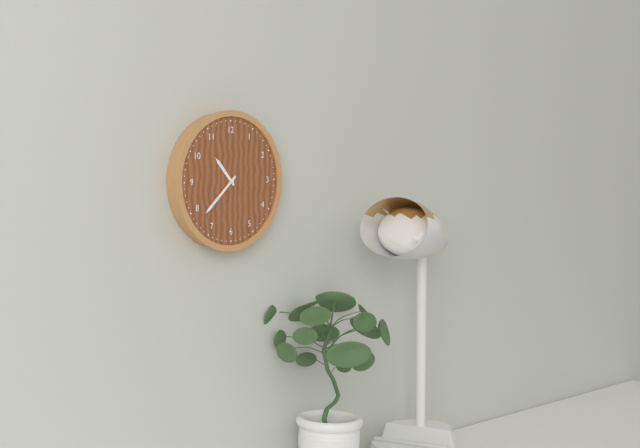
10:38
